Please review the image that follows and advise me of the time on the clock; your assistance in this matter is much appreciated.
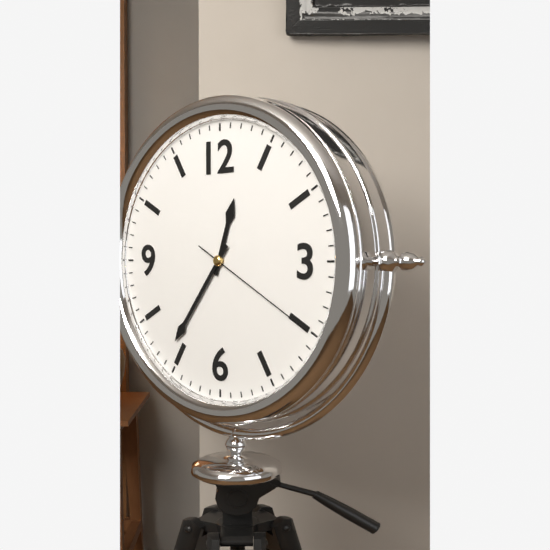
12:36:20
